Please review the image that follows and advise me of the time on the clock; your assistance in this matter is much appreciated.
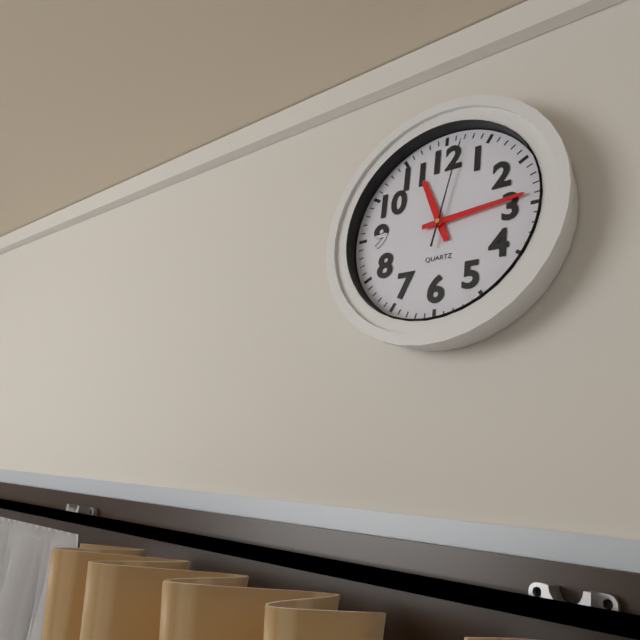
11:14:02
